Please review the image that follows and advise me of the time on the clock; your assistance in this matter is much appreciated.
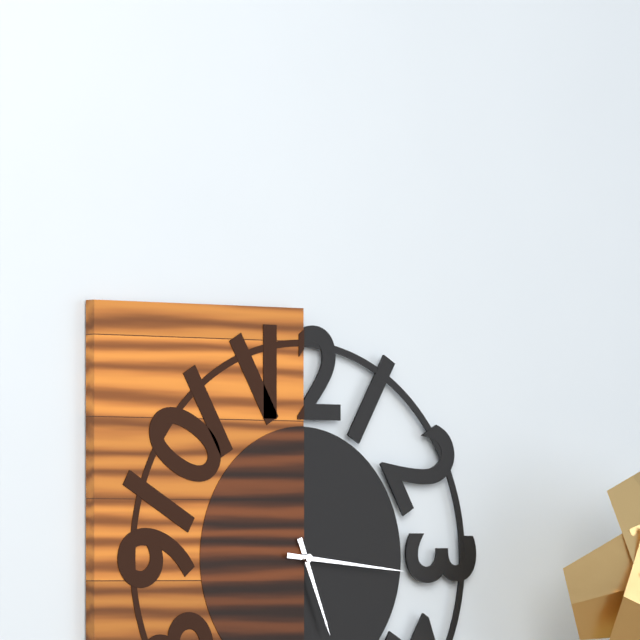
5:16
